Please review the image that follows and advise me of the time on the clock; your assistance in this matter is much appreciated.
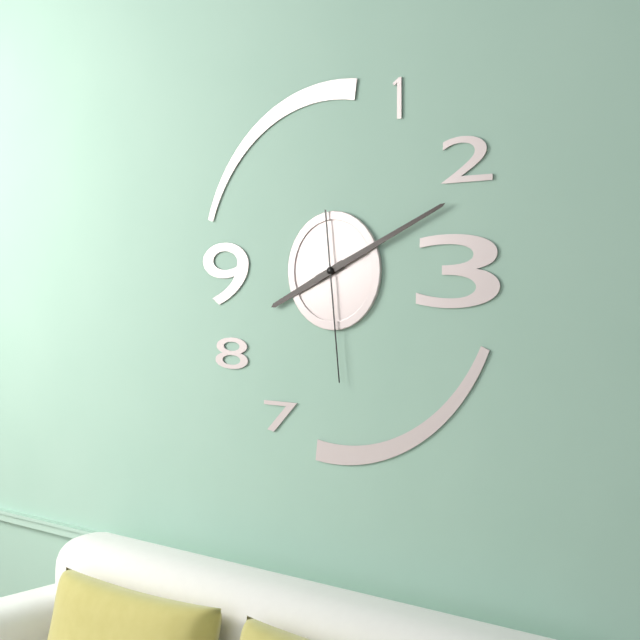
8:11:29
